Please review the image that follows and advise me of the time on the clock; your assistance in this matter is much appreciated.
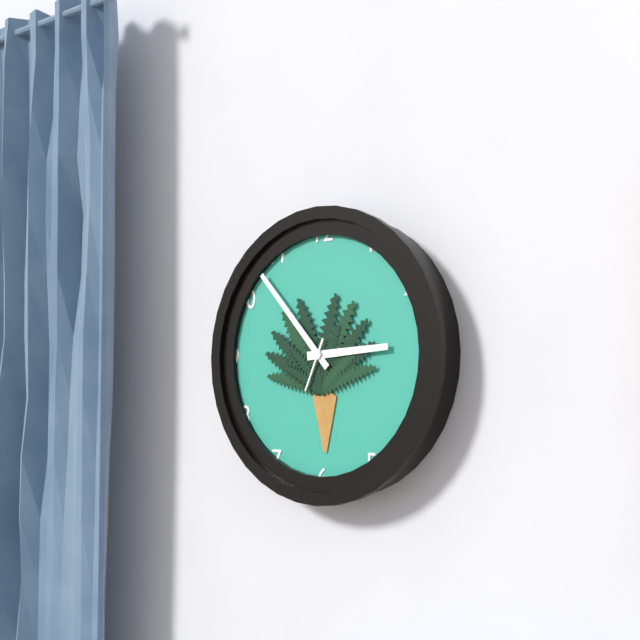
2:53:34
